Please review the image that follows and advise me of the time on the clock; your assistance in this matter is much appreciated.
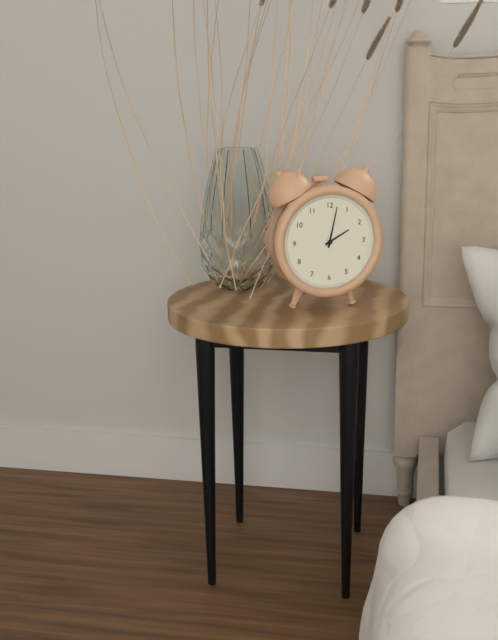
2:02
